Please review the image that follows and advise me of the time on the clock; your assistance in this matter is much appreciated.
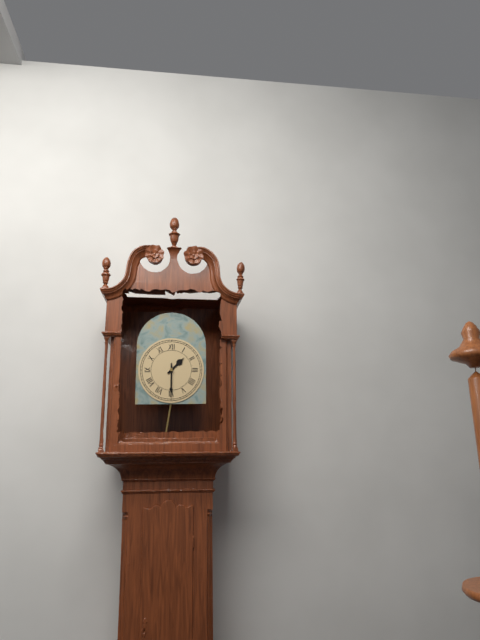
1:30
